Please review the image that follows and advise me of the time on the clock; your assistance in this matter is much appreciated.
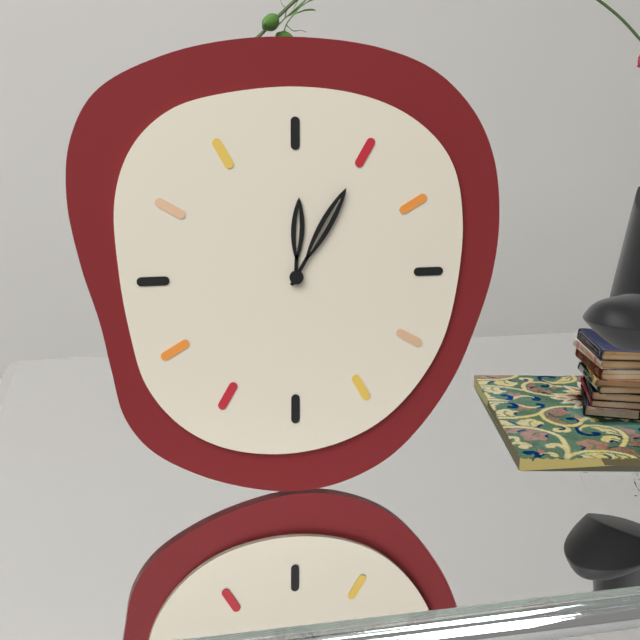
12:05
